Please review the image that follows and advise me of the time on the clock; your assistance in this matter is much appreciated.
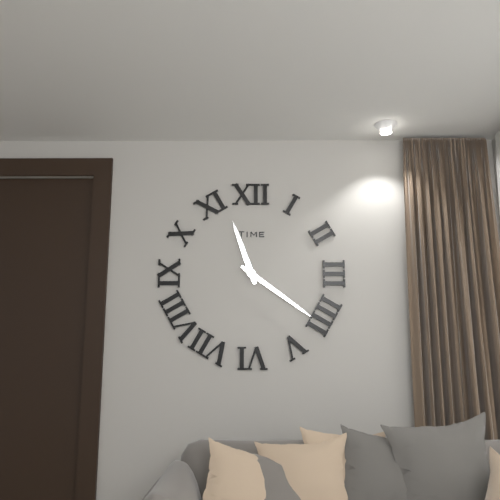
11:21
